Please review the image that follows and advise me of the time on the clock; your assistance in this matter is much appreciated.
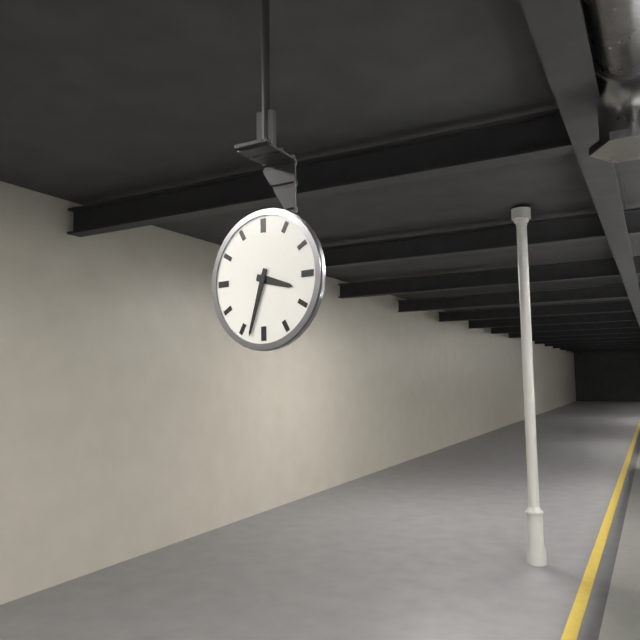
3:33
